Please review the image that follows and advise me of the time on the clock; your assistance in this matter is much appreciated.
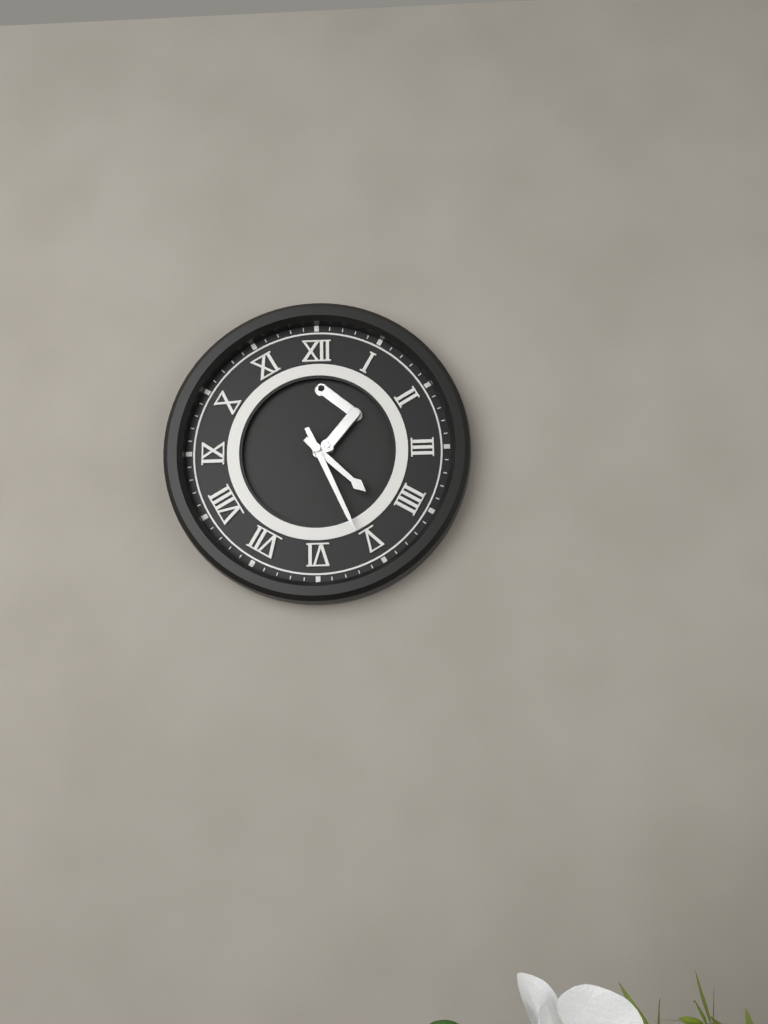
4:26
